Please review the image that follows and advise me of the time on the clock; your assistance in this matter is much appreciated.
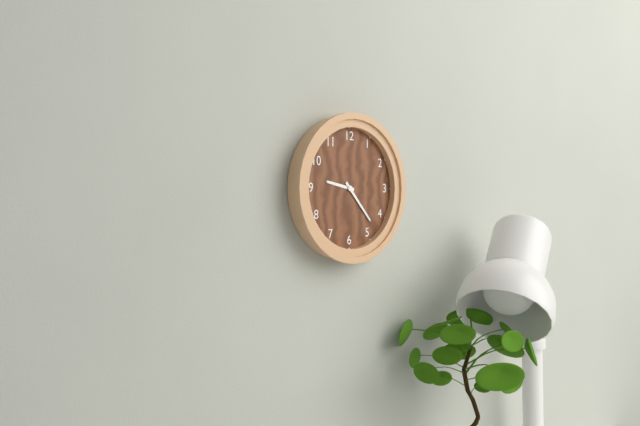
9:23
